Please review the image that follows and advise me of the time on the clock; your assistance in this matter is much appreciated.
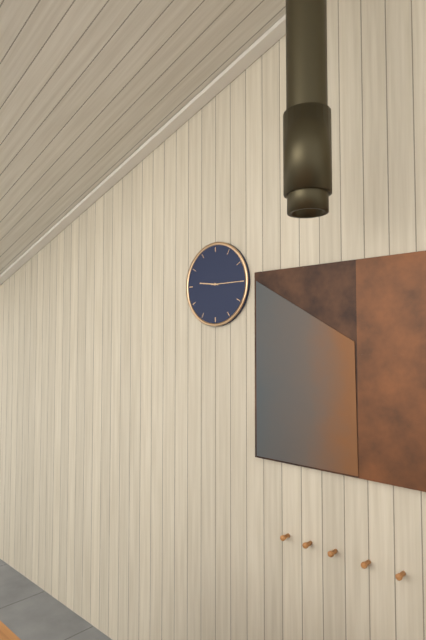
9:15
